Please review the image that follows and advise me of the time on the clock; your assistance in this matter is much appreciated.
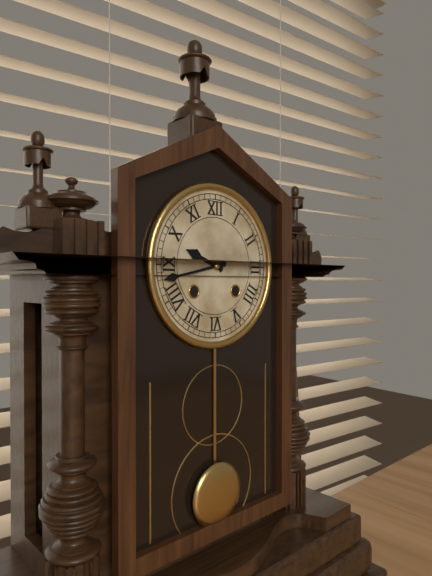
9:43
